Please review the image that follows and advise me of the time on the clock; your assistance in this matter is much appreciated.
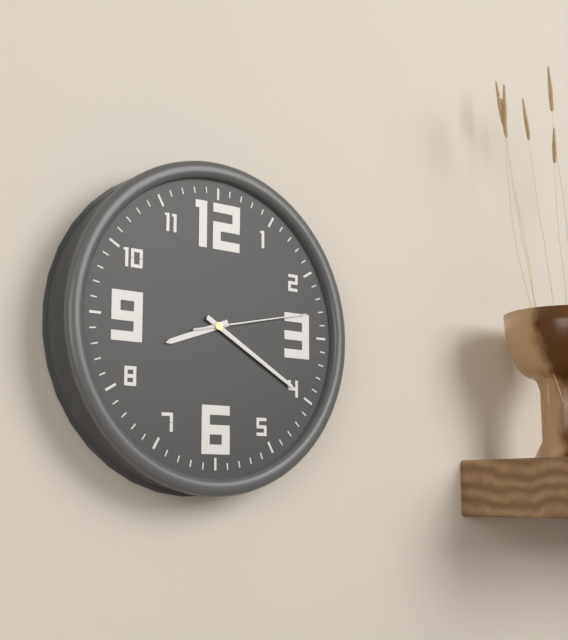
8:20:13
